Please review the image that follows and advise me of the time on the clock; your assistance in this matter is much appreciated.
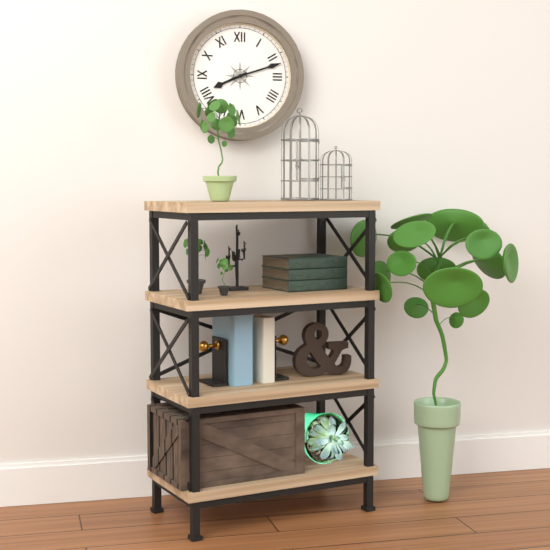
8:12
